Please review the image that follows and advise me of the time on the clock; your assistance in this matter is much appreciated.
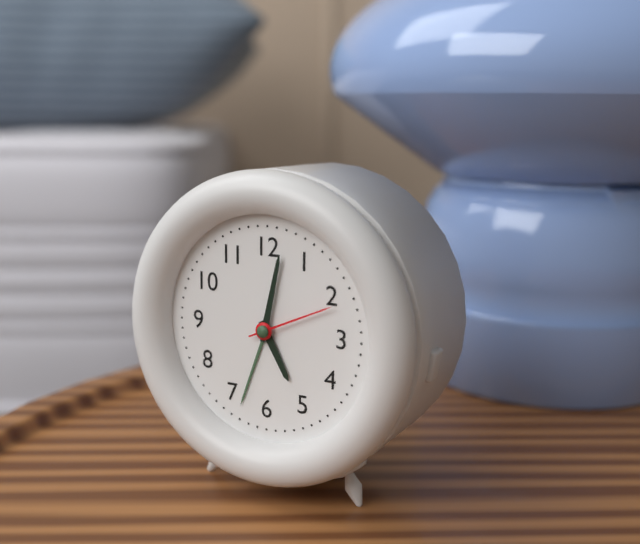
5:02:11
